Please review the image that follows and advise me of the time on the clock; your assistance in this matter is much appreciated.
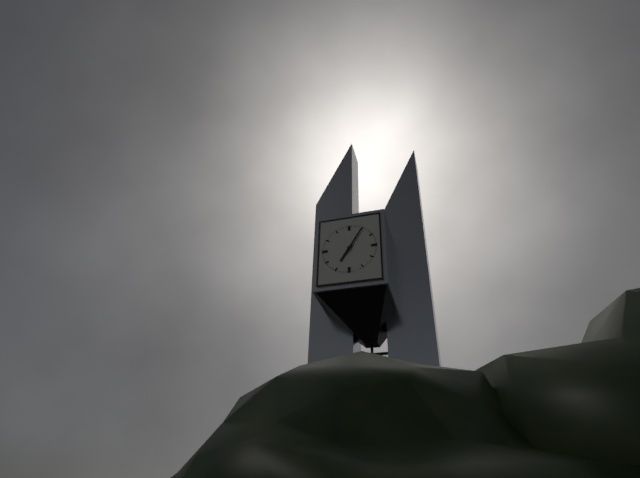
7:05
